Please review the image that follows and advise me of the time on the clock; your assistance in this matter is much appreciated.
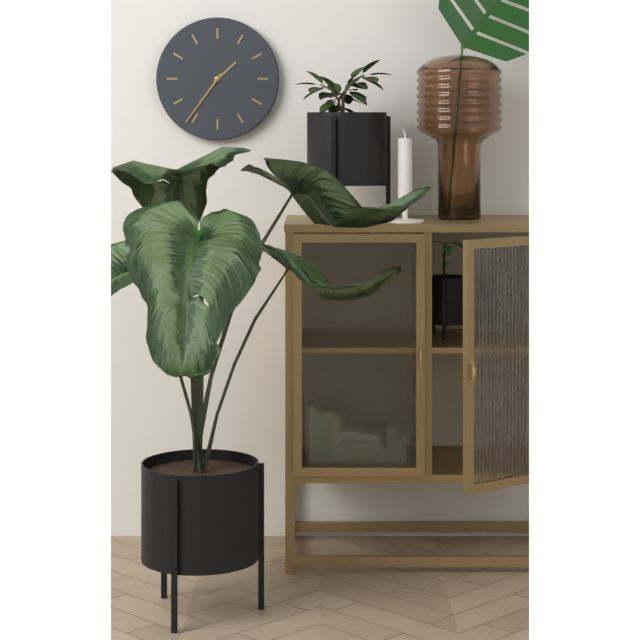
1:36
